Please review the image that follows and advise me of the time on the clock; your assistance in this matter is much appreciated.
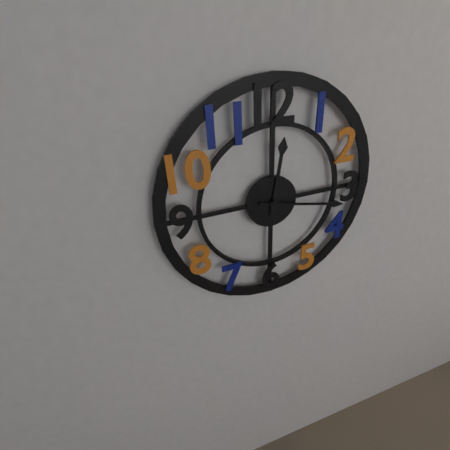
12:17
